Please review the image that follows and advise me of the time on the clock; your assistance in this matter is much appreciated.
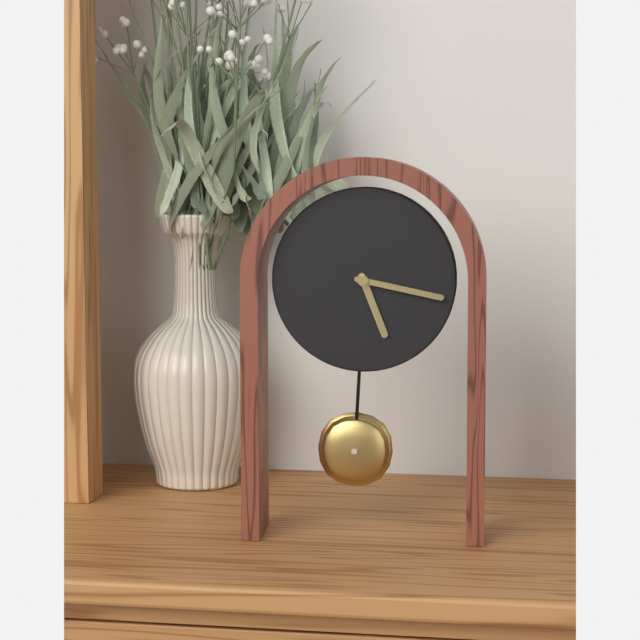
5:17
